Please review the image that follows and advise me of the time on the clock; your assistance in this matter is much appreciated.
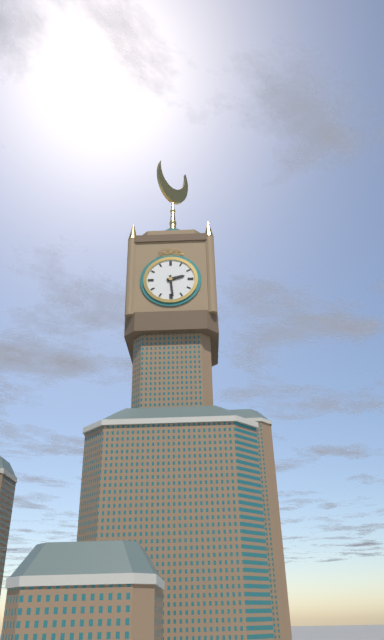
2:29
